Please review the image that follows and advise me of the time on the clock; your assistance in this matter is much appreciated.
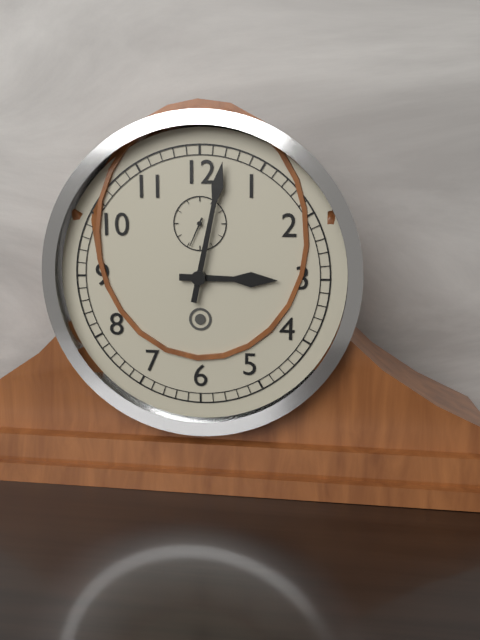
3:02
